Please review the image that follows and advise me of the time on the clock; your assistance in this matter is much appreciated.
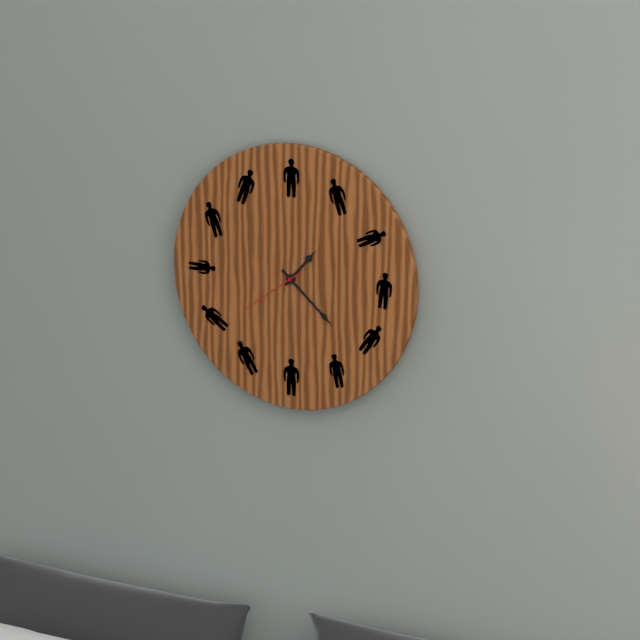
1:22:39
